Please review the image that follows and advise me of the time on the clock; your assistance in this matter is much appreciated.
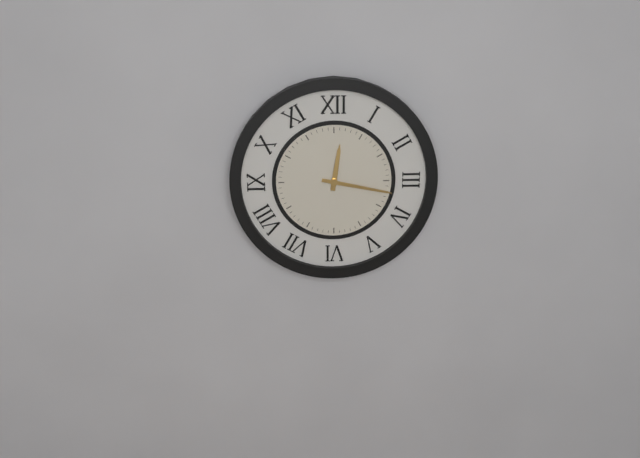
12:17
